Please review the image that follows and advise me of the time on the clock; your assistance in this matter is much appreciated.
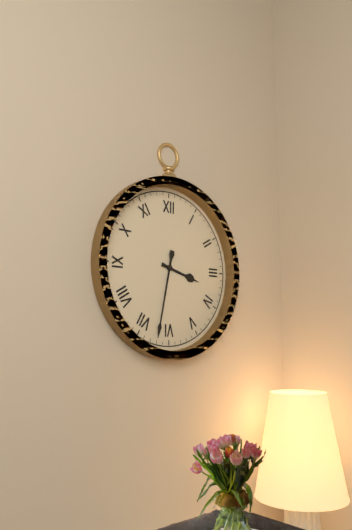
3:32
